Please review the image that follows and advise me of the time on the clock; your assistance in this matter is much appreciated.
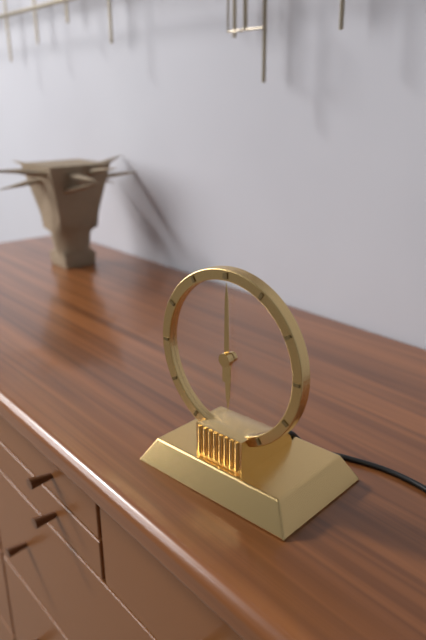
6:00
